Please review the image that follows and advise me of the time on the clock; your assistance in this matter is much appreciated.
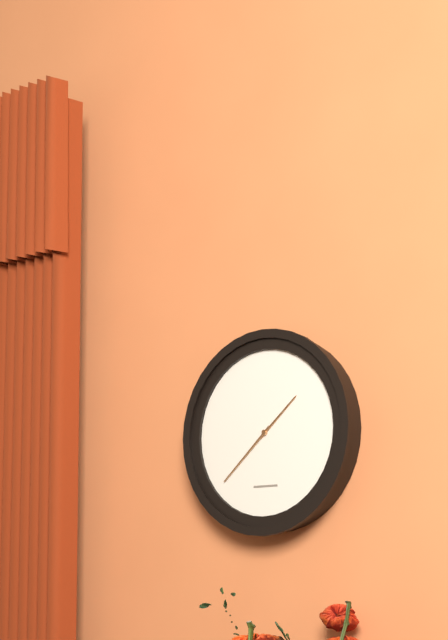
1:38
